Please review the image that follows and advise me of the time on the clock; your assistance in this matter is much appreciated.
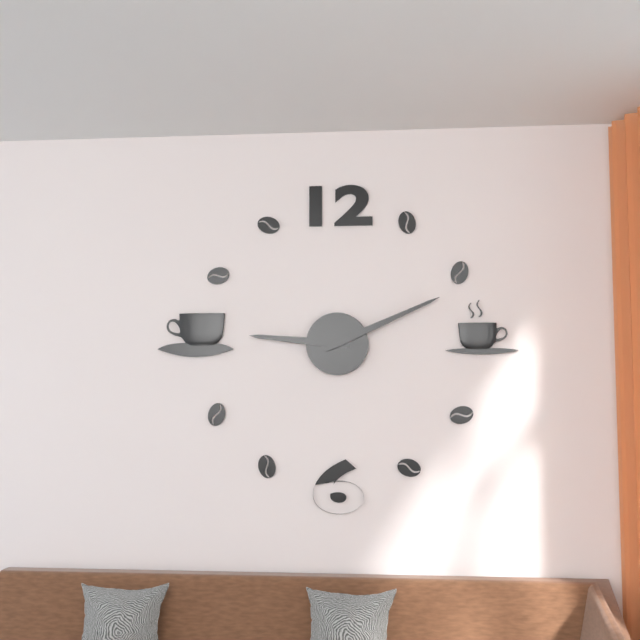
9:11
